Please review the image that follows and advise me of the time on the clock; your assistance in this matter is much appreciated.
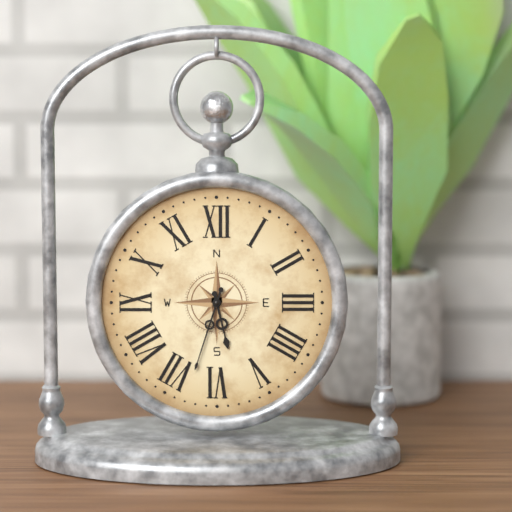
5:33
